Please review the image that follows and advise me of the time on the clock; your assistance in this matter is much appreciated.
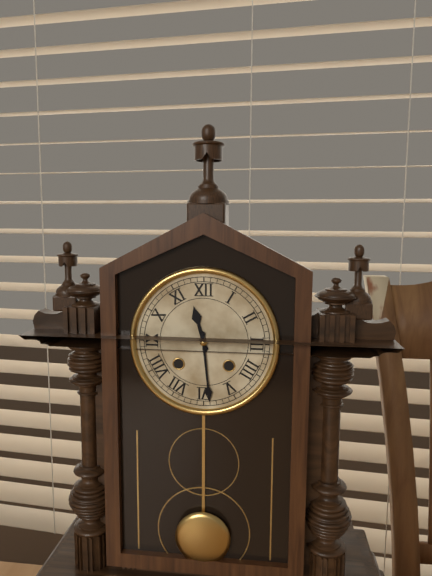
11:29
